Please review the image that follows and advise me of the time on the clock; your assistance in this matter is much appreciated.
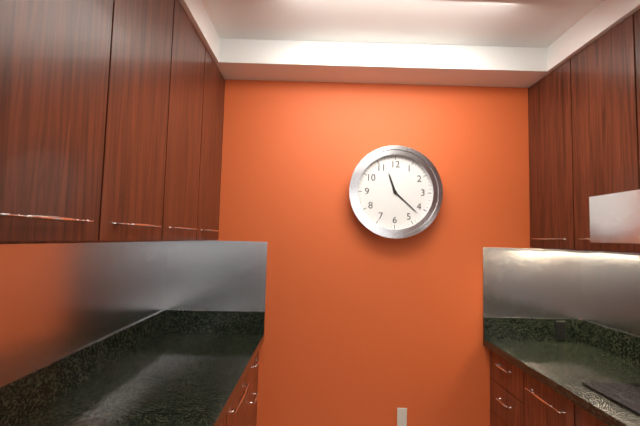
11:22
